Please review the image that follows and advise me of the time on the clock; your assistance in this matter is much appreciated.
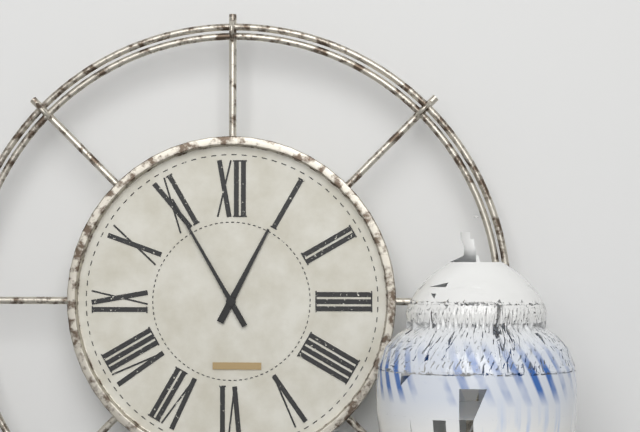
12:55
